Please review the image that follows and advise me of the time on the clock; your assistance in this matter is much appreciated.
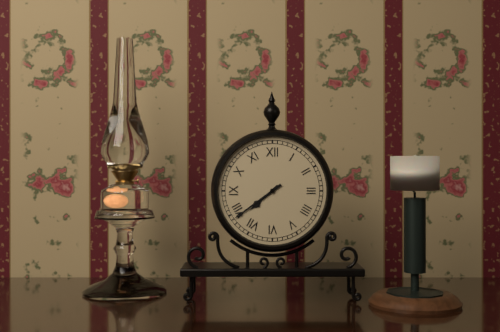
7:39
